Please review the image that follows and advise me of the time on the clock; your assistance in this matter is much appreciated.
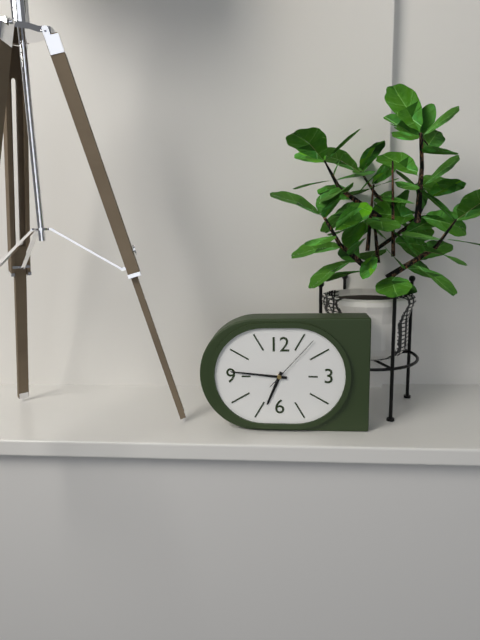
6:46:07
